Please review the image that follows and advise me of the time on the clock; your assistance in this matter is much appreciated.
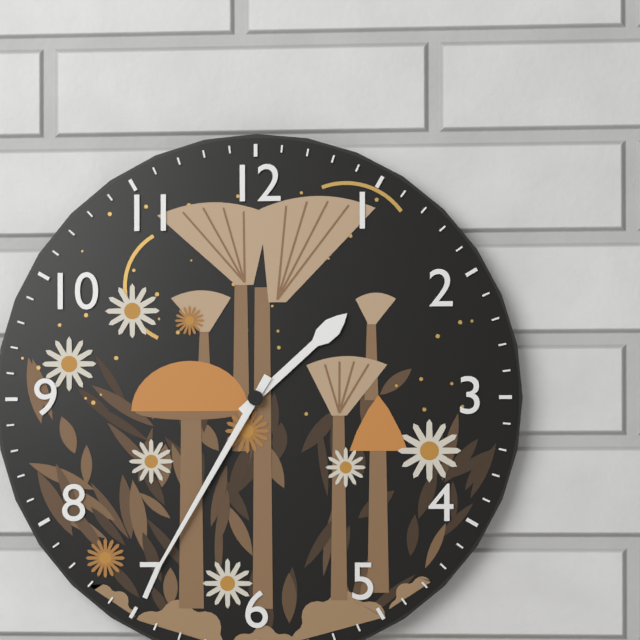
1:35
